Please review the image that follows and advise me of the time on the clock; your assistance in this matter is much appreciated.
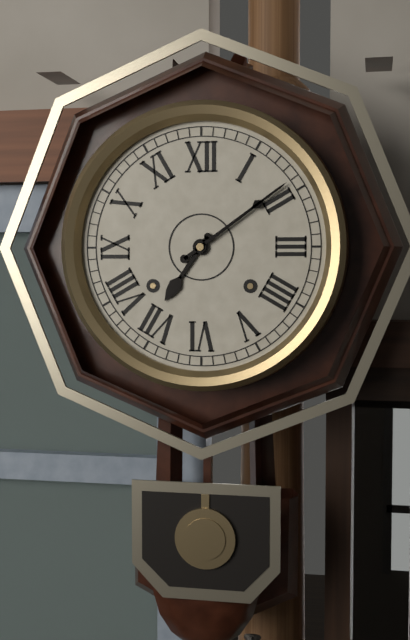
7:09
